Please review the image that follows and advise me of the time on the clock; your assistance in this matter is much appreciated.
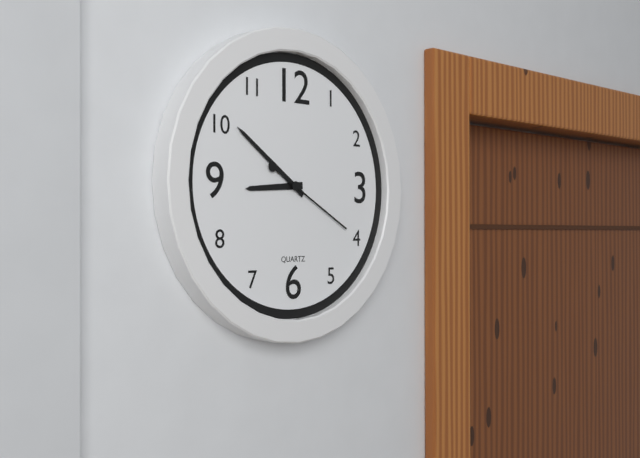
8:51:20
